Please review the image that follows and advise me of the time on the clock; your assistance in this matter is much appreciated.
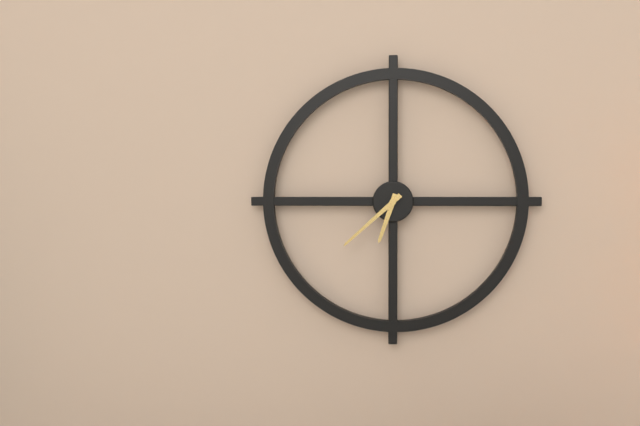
6:38
